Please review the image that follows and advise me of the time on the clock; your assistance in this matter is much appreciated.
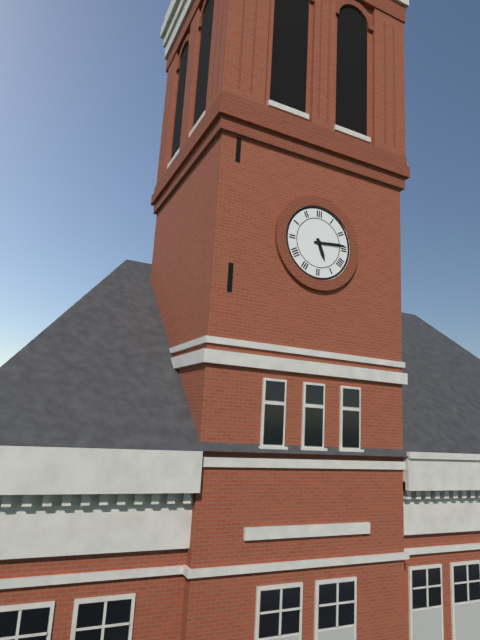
5:14
